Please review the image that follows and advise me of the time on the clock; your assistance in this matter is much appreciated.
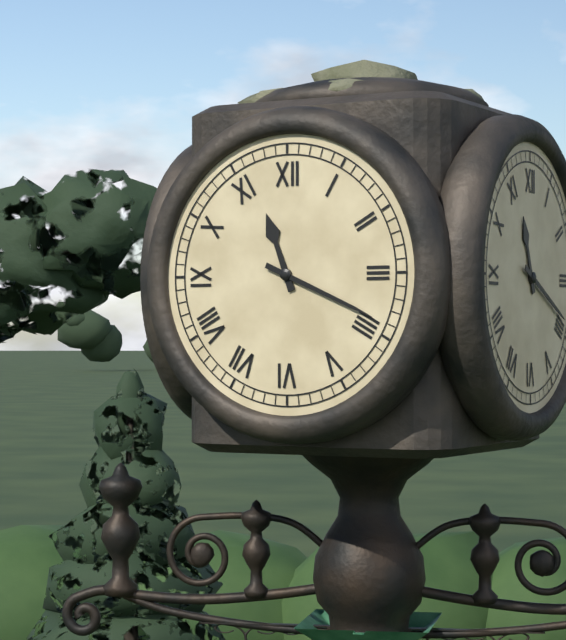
11:19
